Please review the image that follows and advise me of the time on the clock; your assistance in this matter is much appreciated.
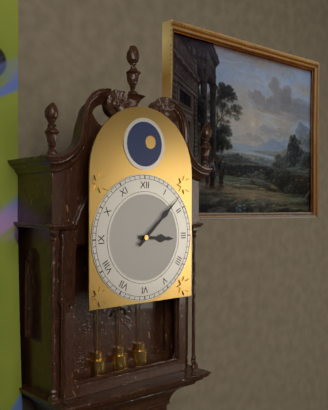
3:08
